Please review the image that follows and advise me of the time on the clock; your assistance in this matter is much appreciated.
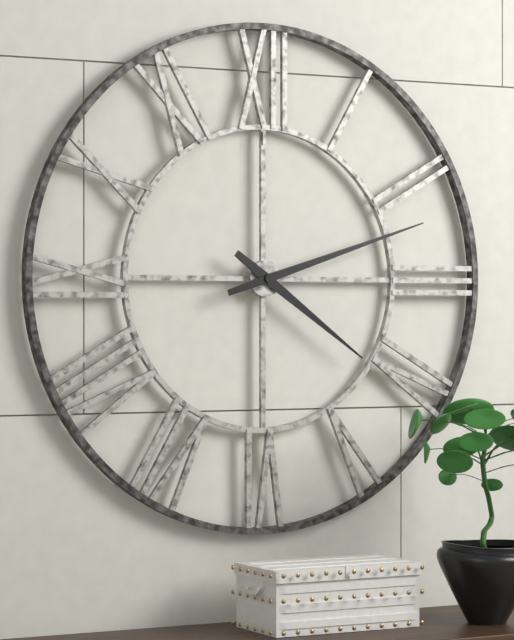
4:12
